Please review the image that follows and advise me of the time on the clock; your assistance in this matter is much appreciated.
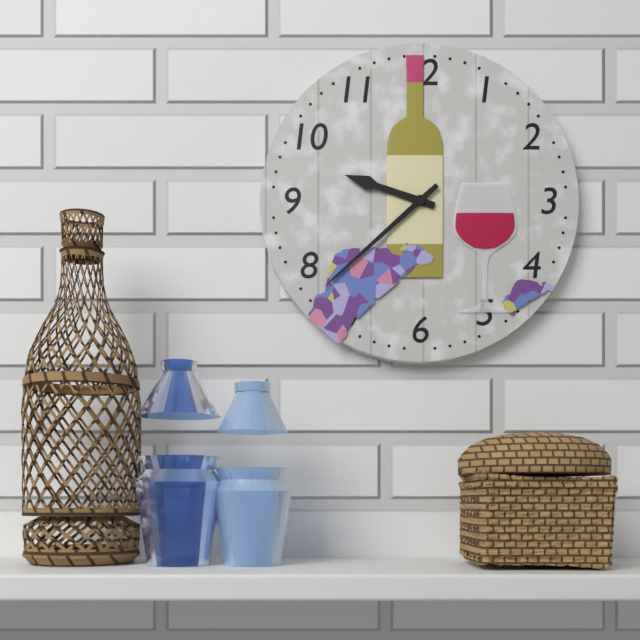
9:38
